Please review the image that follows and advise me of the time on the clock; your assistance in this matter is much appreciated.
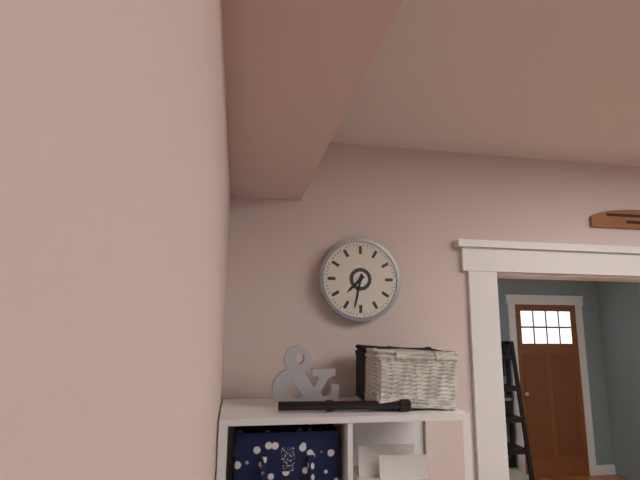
7:32
